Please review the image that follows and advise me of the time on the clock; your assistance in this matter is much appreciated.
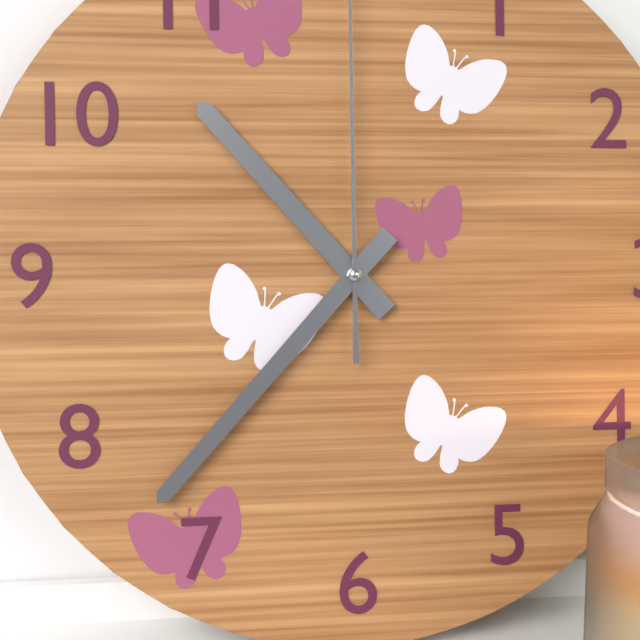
10:37
